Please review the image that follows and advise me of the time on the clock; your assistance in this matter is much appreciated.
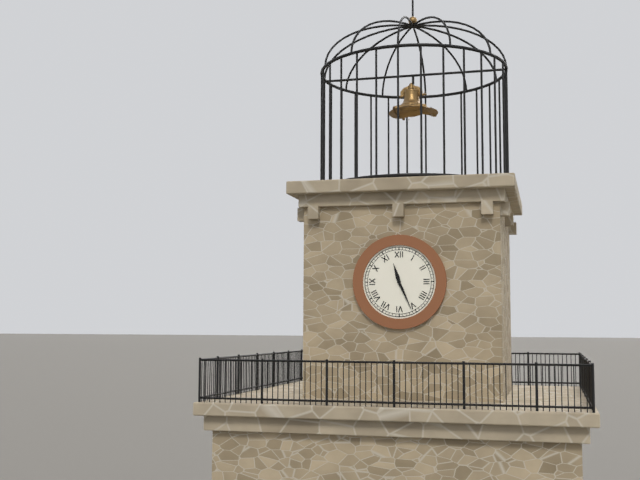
11:26
